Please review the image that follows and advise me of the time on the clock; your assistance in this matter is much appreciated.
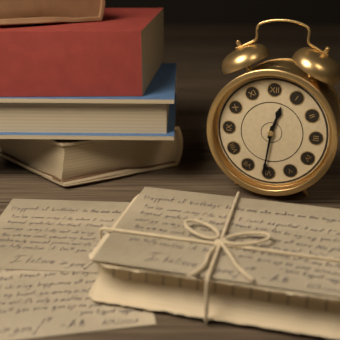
12:31
